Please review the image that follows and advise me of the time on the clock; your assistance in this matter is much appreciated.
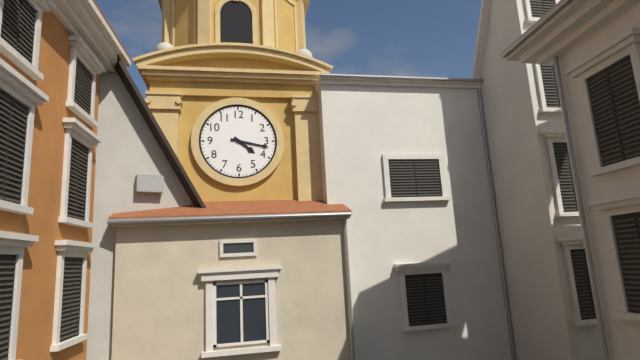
4:17
